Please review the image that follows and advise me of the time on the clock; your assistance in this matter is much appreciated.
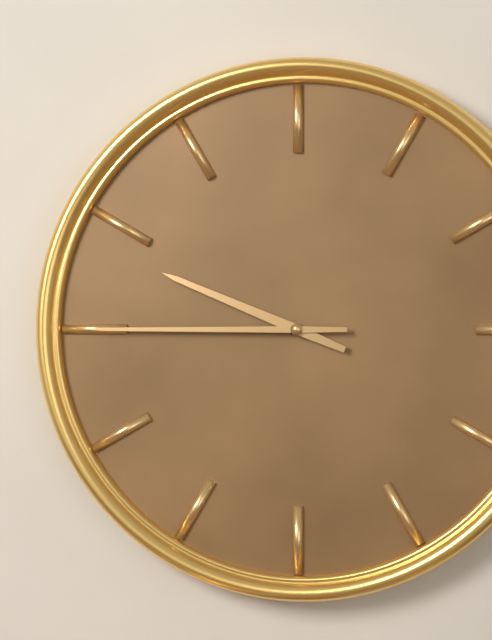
9:45
